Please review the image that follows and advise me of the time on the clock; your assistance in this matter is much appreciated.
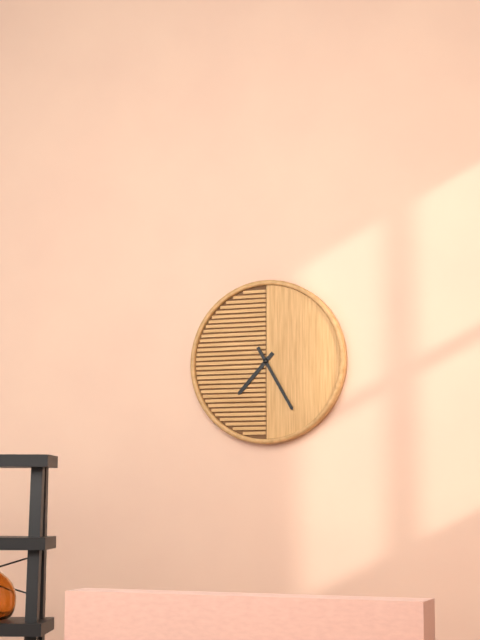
7:25
